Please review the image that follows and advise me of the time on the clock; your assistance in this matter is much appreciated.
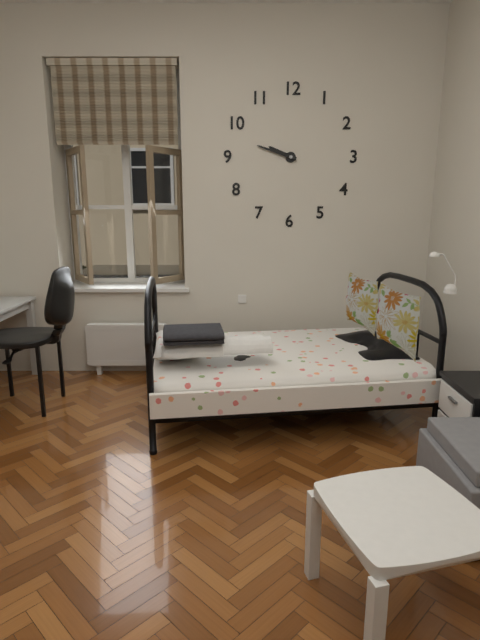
9:48
